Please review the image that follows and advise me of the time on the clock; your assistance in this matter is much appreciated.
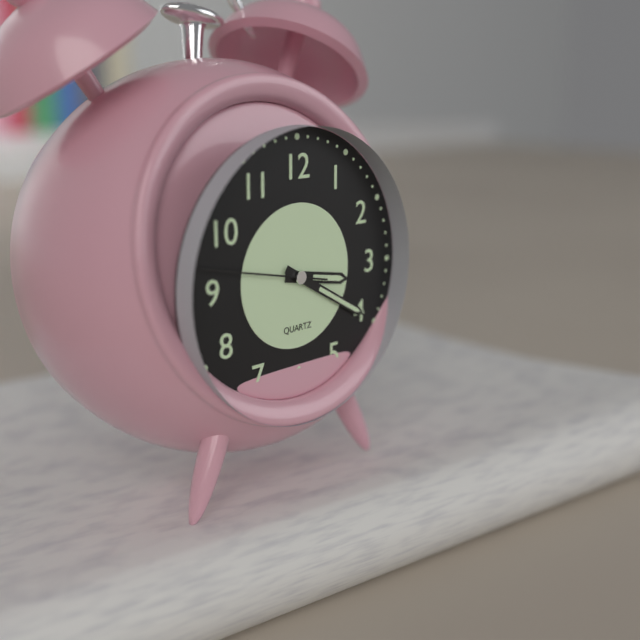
3:20:47
